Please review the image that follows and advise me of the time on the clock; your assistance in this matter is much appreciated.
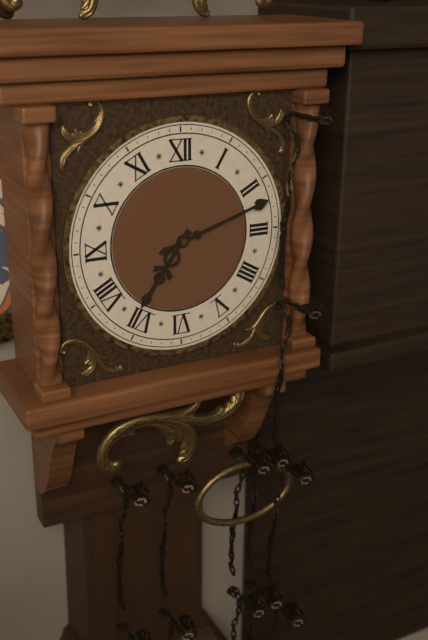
7:12
